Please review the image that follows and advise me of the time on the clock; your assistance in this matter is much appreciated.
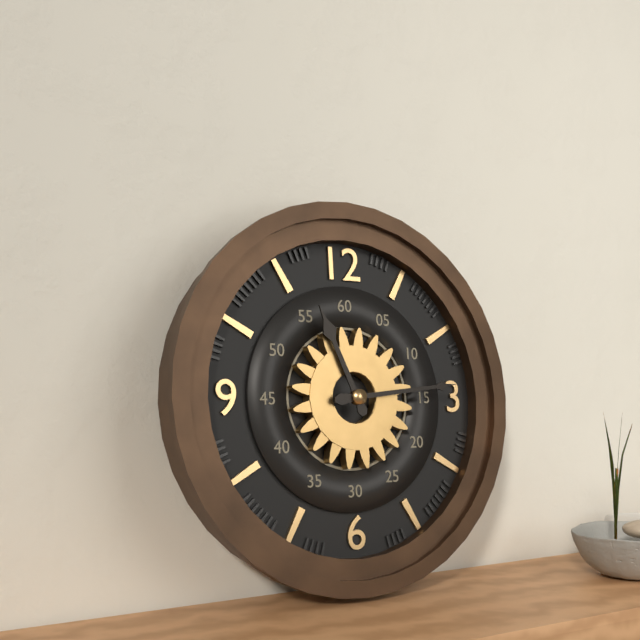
11:14
